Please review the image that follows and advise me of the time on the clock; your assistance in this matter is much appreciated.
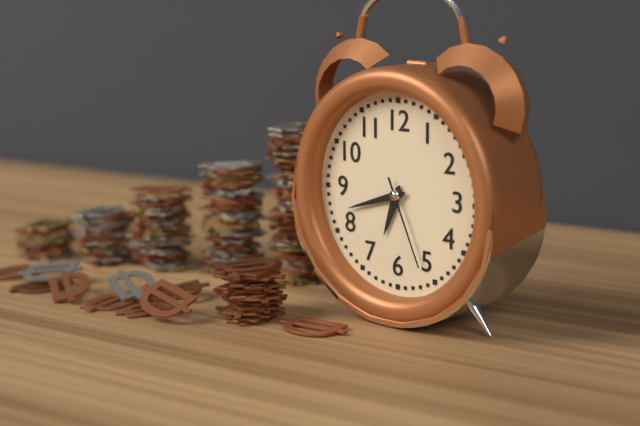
6:42:26
